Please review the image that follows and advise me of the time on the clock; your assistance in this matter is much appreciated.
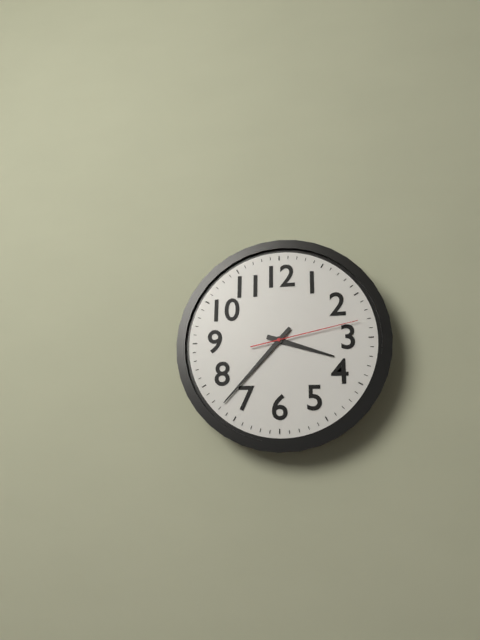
3:37:13
